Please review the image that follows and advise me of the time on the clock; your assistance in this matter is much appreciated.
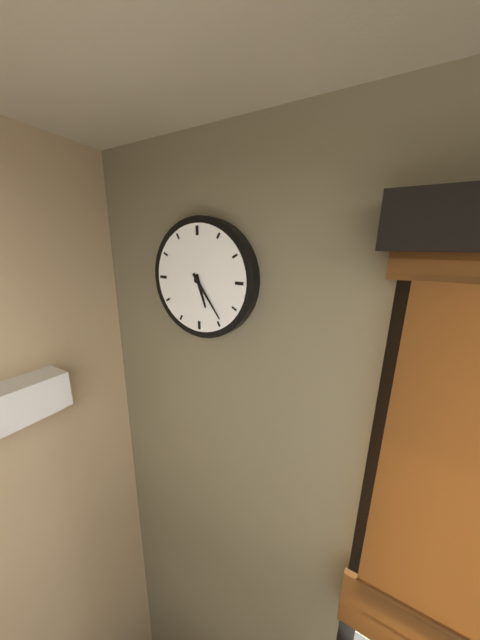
5:24
